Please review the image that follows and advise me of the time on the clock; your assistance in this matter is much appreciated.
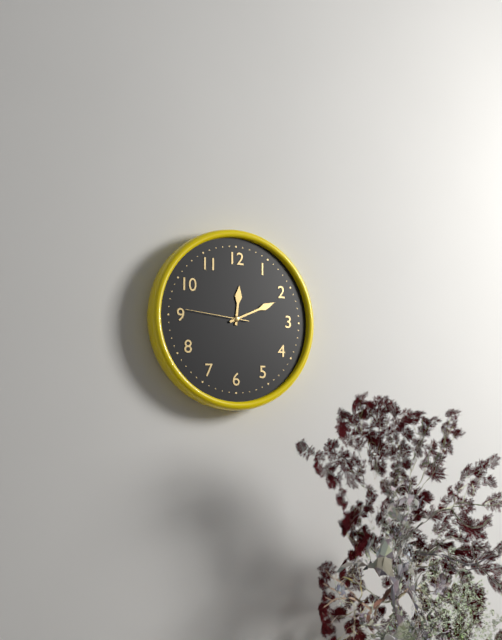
12:11:46
